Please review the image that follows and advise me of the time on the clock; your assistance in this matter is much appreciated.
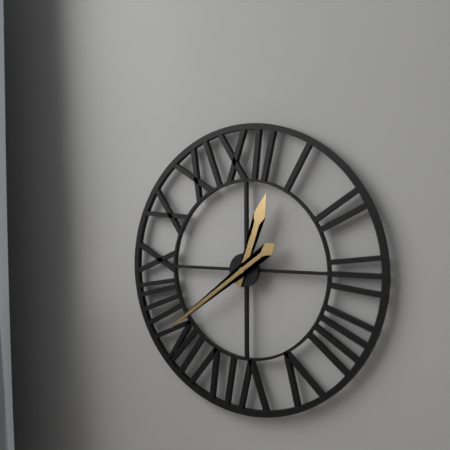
12:39
